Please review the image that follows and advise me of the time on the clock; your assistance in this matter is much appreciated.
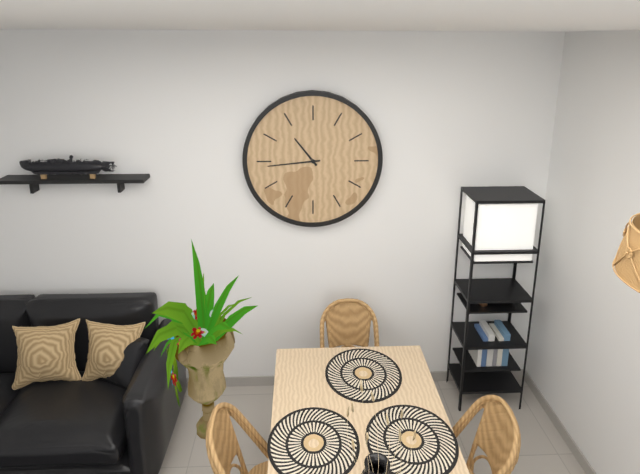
10:44
